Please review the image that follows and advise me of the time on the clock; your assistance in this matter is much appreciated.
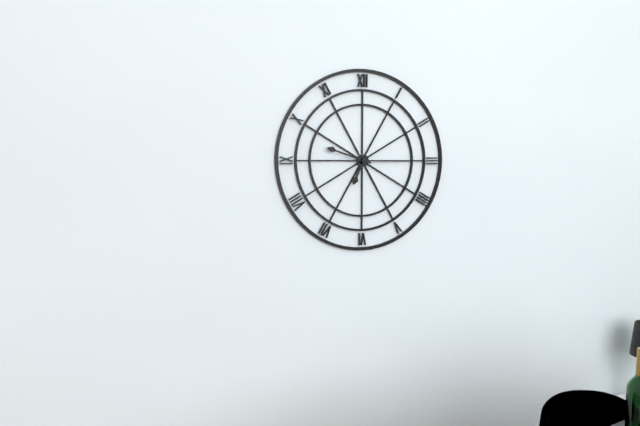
6:48:15
